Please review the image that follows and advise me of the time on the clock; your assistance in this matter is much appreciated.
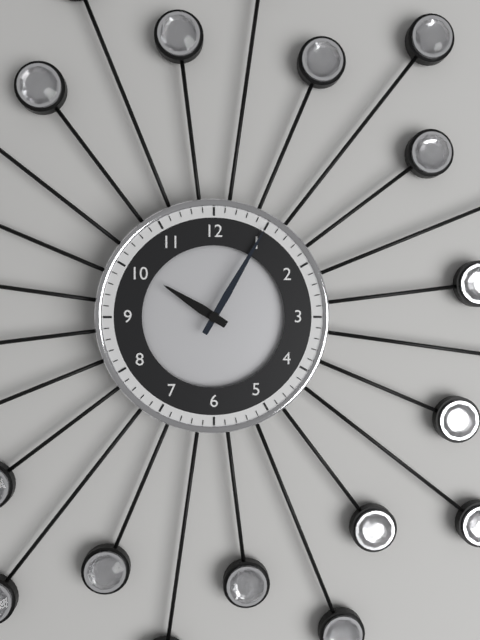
10:05
